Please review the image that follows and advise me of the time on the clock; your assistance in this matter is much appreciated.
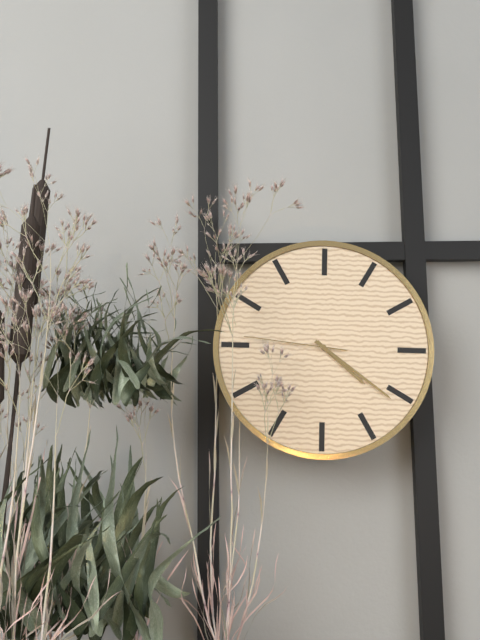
4:21:46
